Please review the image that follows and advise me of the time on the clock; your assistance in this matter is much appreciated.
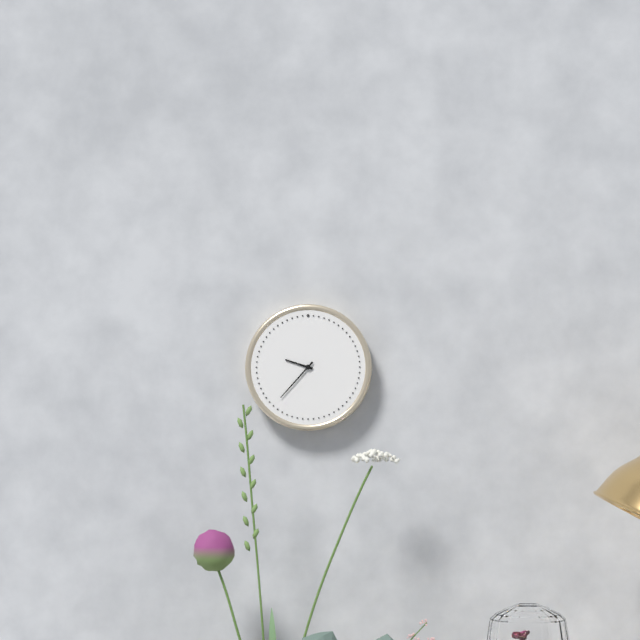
9:37
